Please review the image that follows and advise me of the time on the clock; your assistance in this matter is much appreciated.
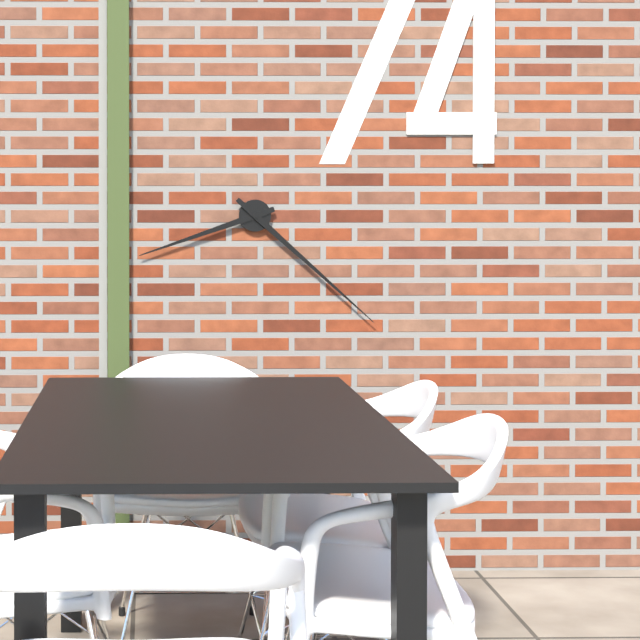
8:22
